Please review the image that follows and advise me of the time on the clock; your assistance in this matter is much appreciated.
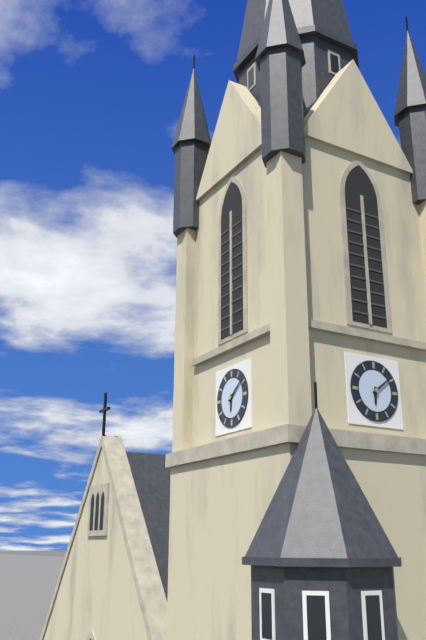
6:09
